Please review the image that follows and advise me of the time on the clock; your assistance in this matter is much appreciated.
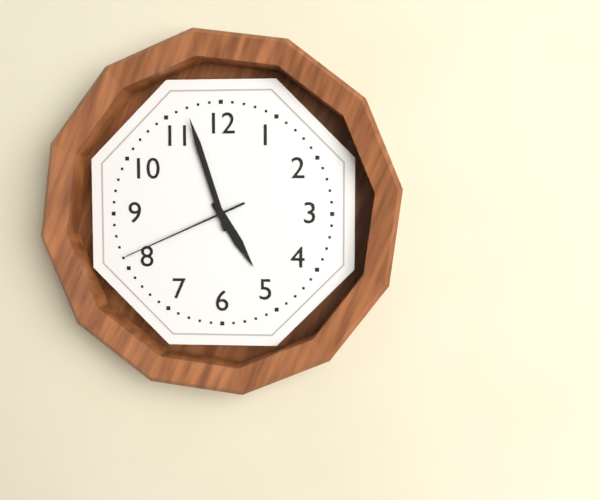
4:57:41
